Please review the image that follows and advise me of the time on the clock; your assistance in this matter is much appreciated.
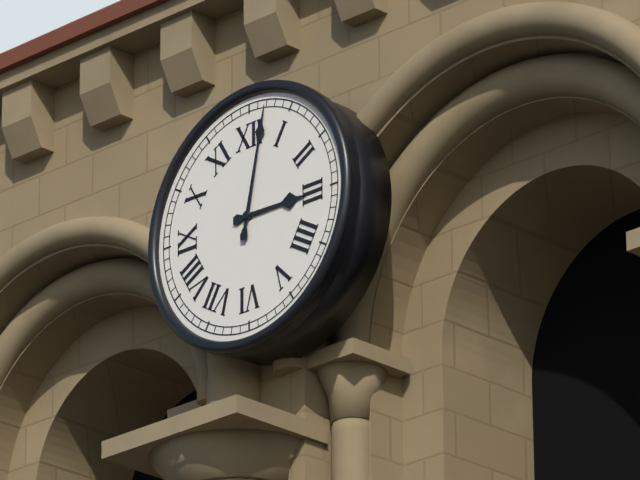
3:02
